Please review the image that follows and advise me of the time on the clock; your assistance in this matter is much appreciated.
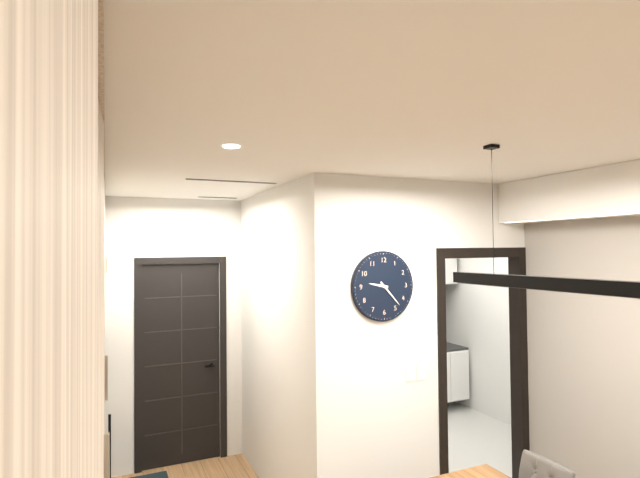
9:23
